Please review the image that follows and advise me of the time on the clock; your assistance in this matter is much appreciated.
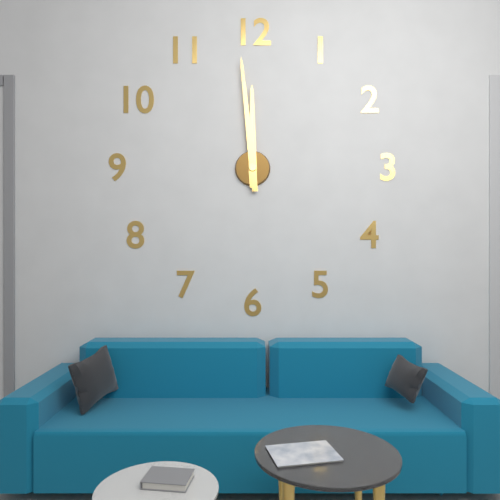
11:59
